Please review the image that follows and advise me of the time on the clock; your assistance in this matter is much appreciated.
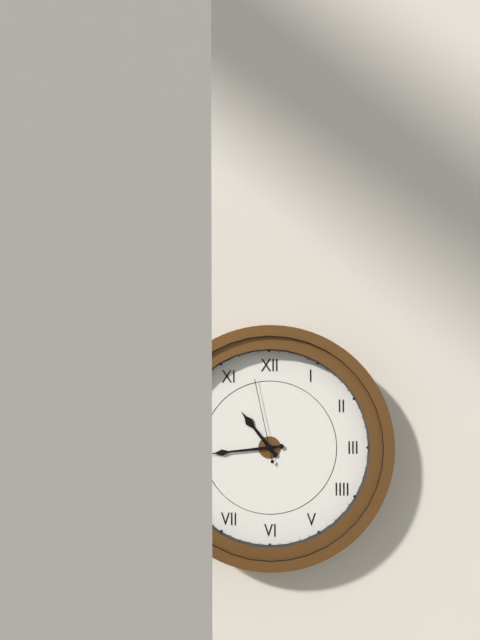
10:44:58
